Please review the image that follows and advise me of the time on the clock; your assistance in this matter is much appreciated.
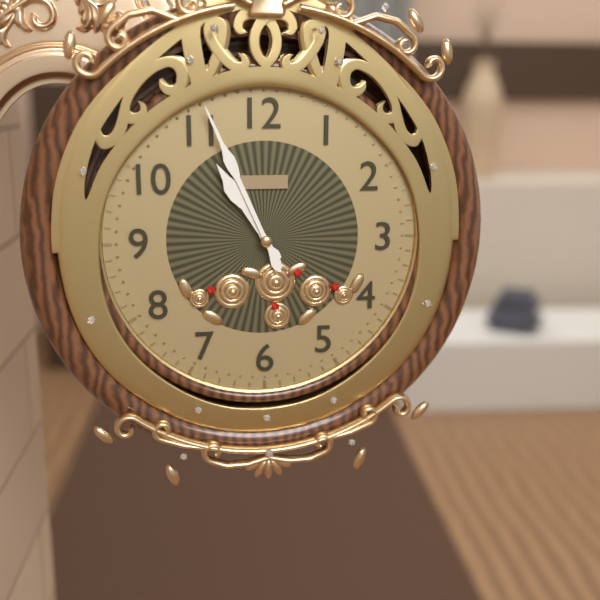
10:56
